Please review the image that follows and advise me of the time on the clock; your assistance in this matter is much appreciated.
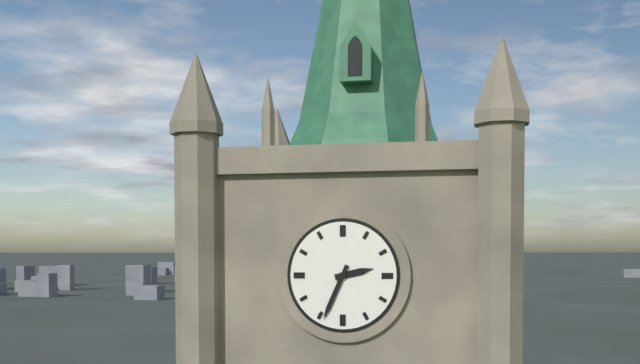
2:34
